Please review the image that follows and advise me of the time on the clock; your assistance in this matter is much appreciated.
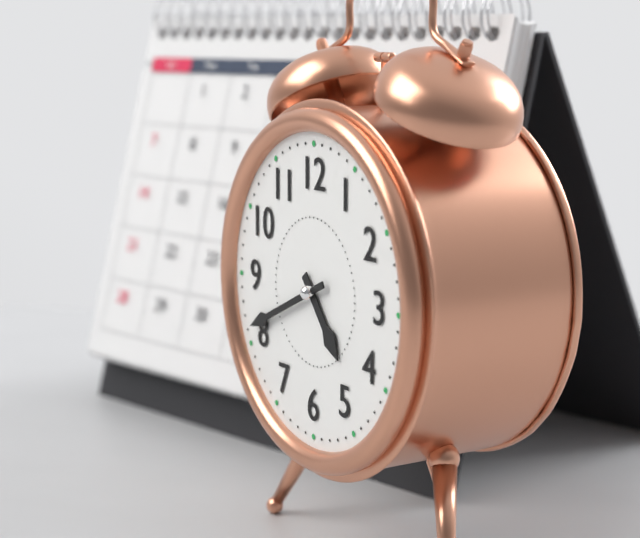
4:41
